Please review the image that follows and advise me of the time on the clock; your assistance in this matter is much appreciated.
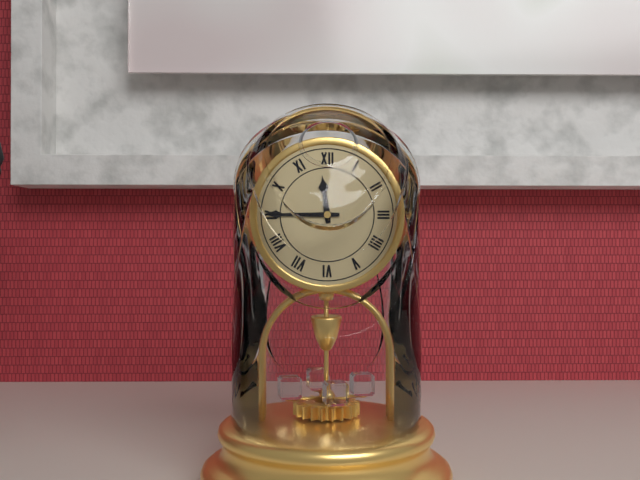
11:45
